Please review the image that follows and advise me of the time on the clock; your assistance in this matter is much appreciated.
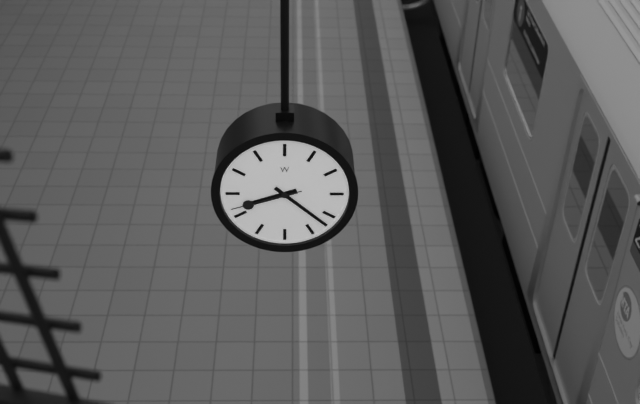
8:22:42
